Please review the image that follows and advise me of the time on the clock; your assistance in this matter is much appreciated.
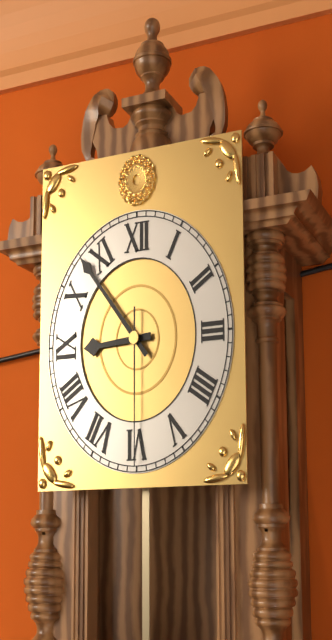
8:53:30
